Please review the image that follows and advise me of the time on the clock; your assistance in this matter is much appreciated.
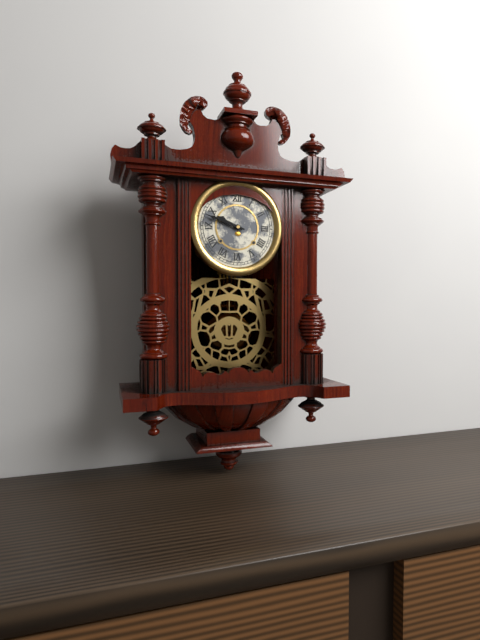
9:48
